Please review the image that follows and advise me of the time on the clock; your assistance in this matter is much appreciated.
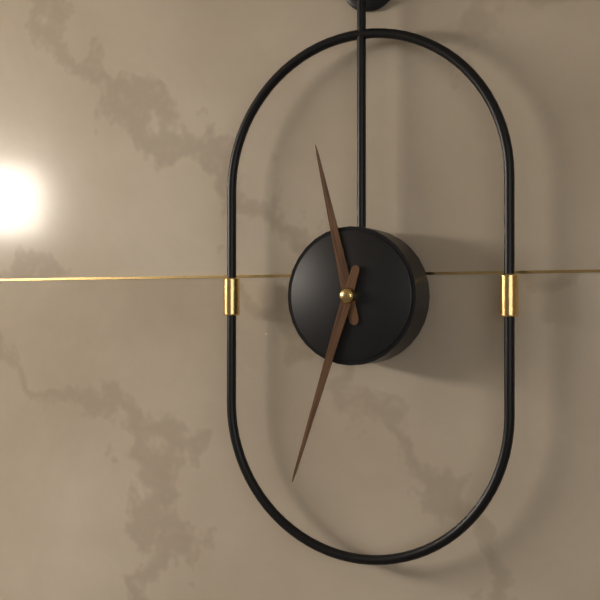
11:33
